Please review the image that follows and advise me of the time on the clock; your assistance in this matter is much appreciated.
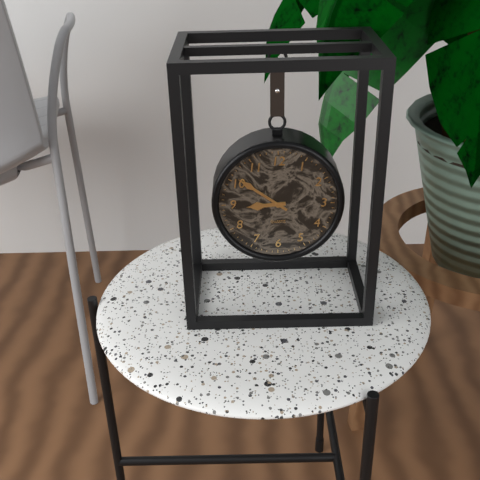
8:51
